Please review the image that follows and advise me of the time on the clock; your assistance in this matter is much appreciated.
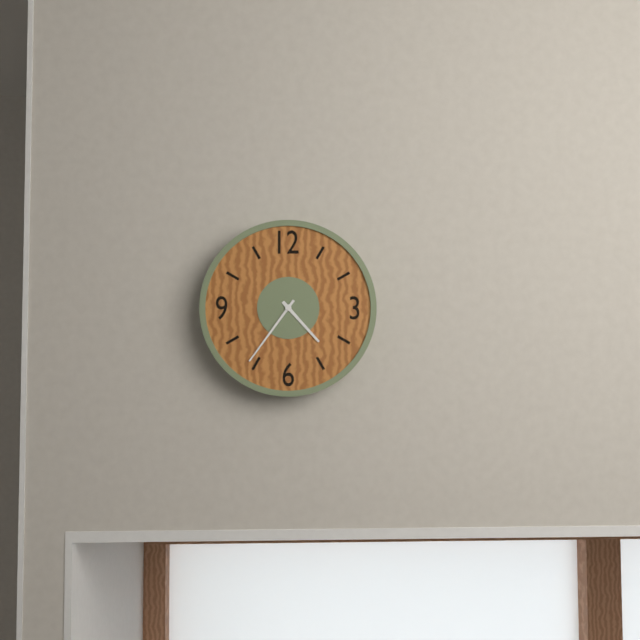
4:36
